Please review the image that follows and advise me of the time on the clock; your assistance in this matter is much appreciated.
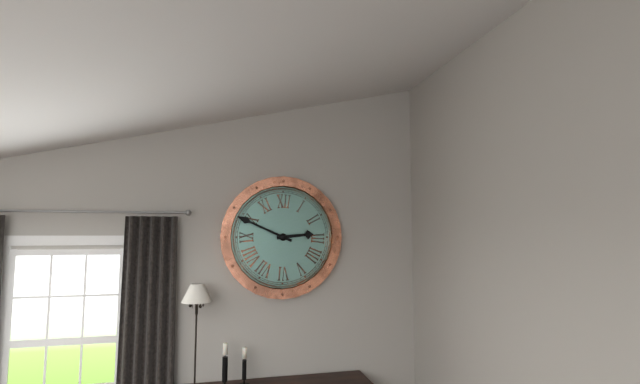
2:49
